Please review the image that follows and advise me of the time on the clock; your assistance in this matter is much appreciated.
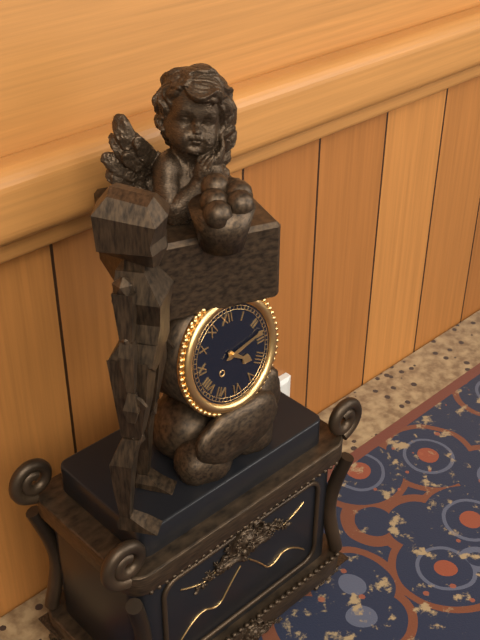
4:13
